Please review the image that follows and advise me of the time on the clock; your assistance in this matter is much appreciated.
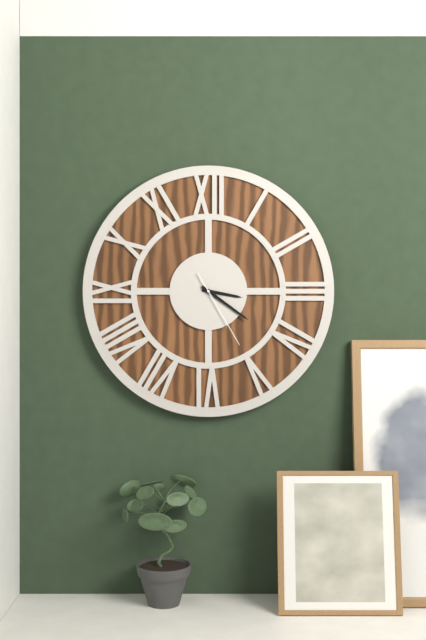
3:21:25
